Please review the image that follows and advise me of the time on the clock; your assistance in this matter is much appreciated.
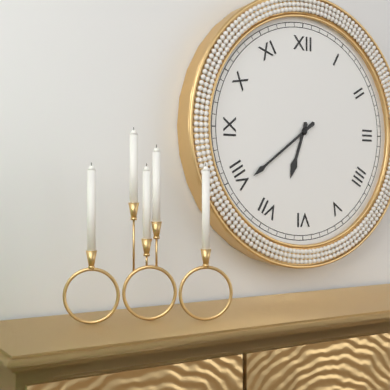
6:39
